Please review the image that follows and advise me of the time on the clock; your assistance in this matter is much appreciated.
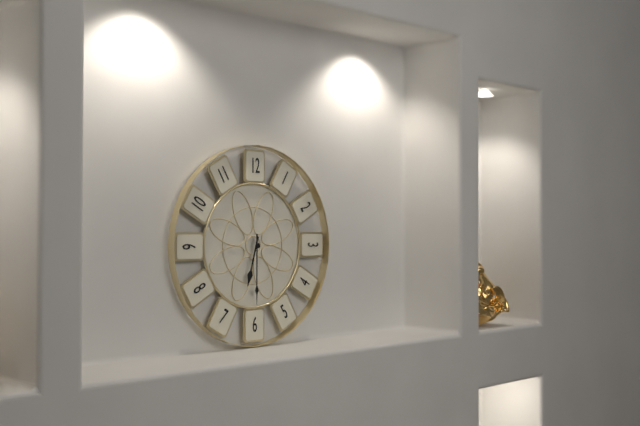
6:30
